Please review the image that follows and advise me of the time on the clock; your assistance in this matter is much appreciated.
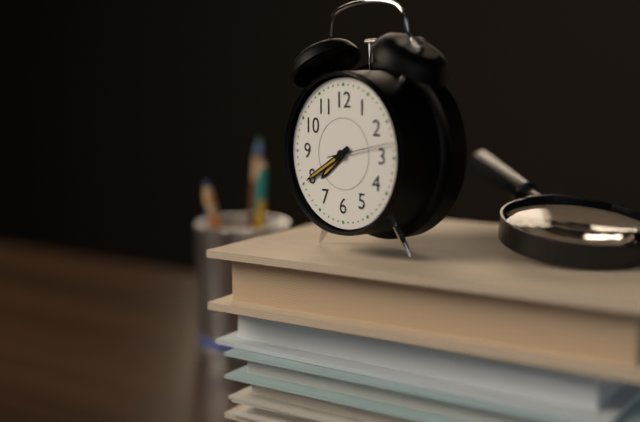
7:40
